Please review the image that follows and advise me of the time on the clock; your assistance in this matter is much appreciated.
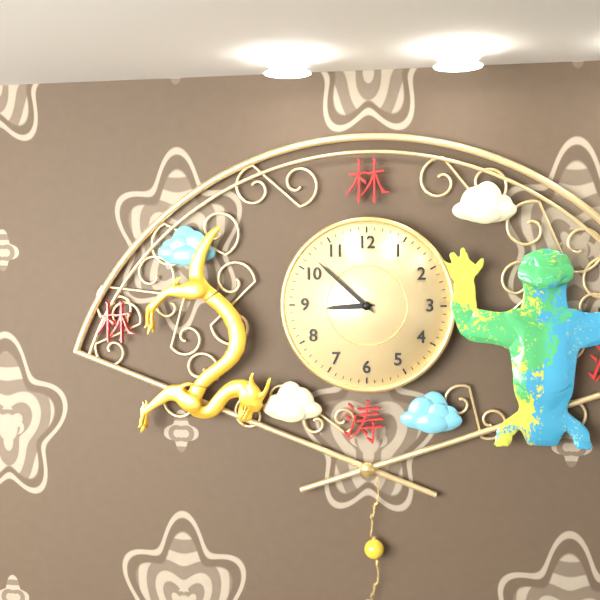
8:52
